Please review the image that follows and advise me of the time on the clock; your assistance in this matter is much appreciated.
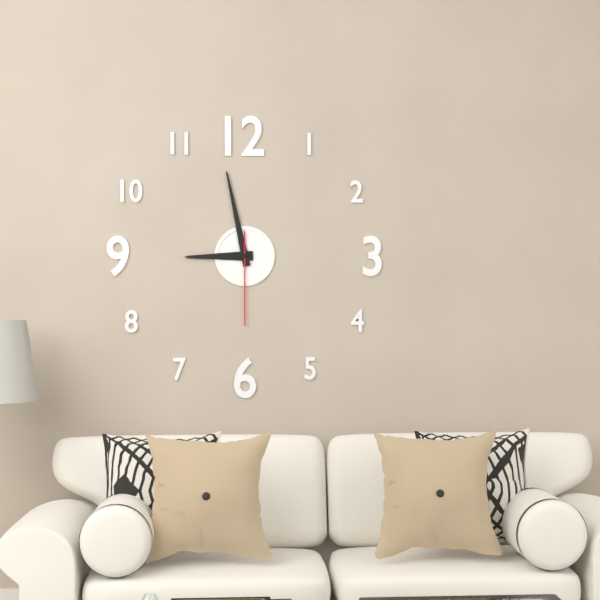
8:58:30
